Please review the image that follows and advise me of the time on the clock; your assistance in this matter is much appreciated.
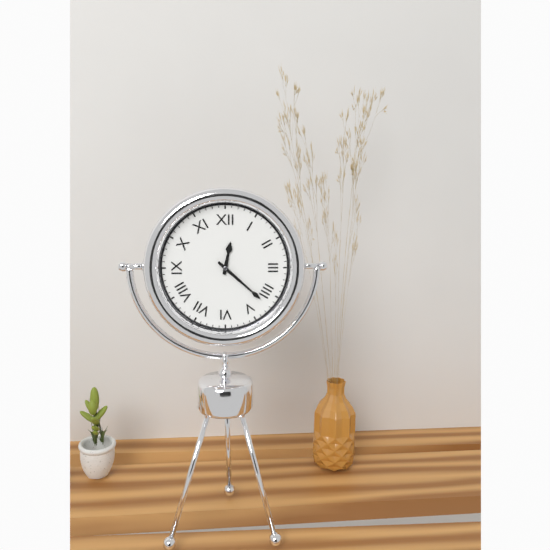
12:22
